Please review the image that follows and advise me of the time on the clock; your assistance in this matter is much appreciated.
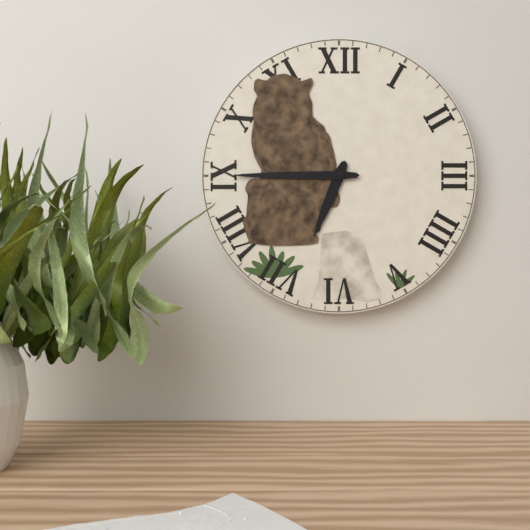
6:45
